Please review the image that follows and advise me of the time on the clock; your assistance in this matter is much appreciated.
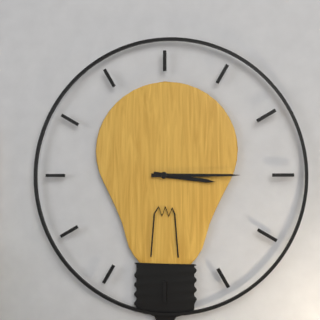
3:15
